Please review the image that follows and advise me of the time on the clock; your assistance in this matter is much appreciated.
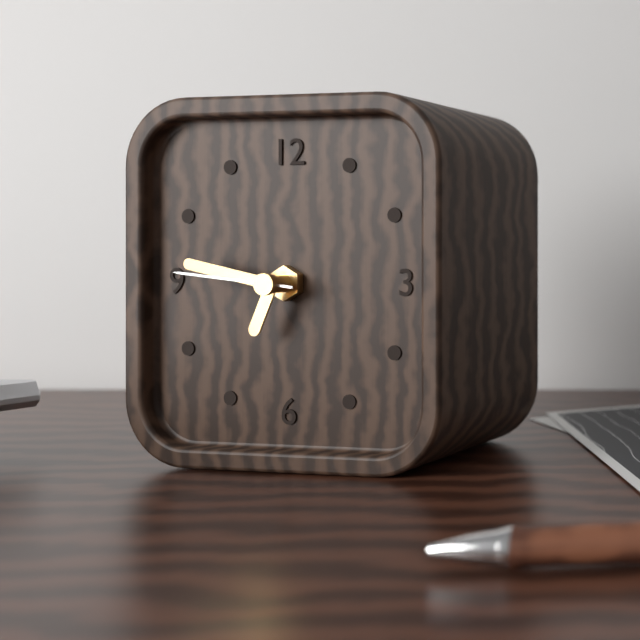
6:47:46
